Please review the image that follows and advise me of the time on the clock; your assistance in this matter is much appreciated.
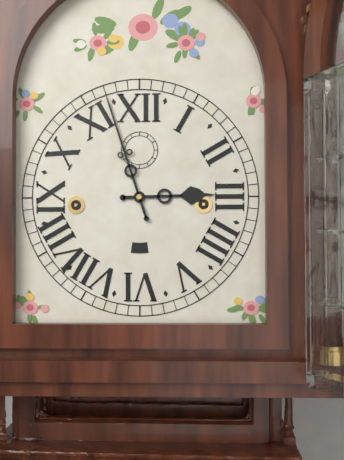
2:57
